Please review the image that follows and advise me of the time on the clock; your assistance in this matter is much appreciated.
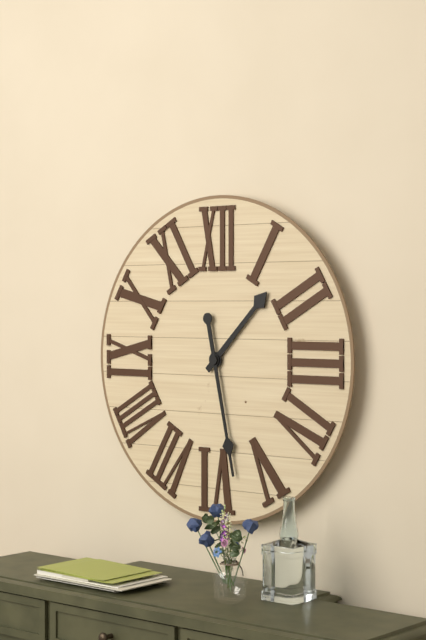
1:28
